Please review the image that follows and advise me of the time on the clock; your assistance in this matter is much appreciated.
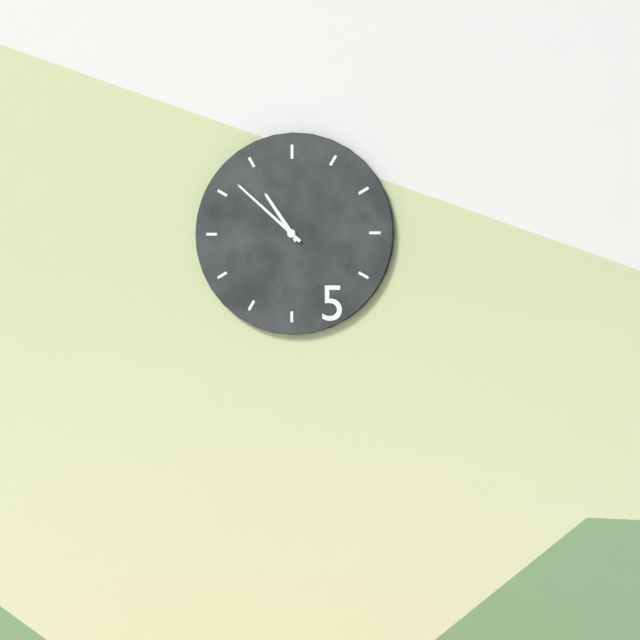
10:52
